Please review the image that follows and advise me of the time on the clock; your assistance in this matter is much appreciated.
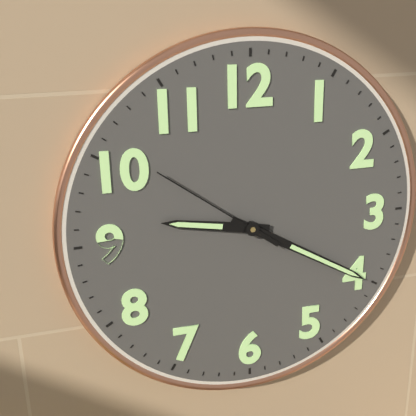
9:20:51
